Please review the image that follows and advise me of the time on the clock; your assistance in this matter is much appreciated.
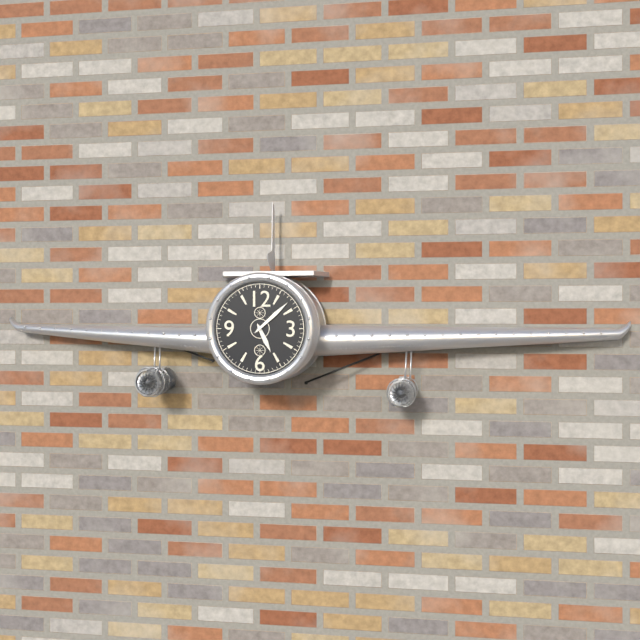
5:08
